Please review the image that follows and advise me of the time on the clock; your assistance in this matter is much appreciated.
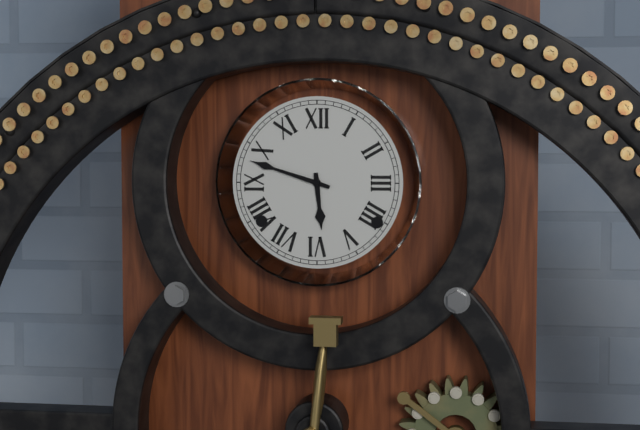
5:48
